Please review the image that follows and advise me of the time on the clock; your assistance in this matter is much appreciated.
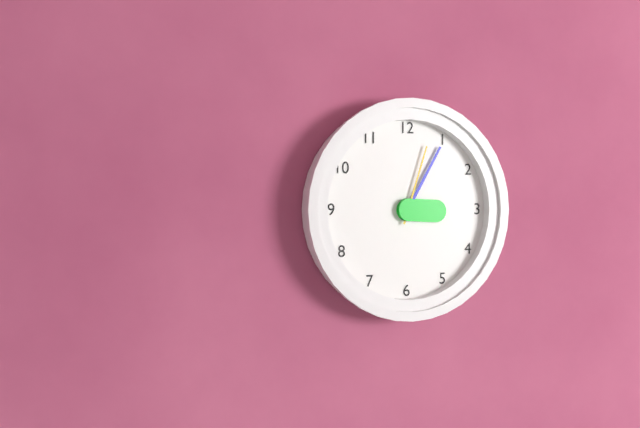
3:05:03
